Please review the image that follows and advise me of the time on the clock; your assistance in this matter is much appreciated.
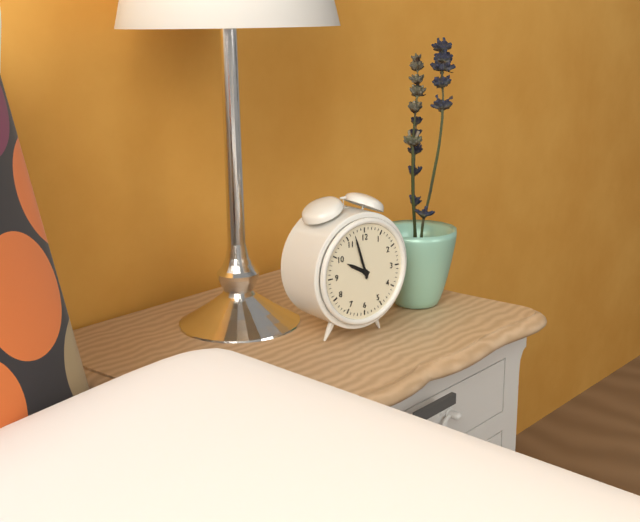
9:57
